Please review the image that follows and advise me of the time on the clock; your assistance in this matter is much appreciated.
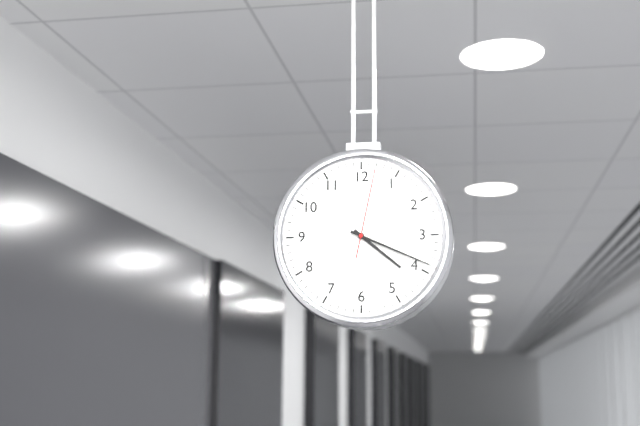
4:19:02
